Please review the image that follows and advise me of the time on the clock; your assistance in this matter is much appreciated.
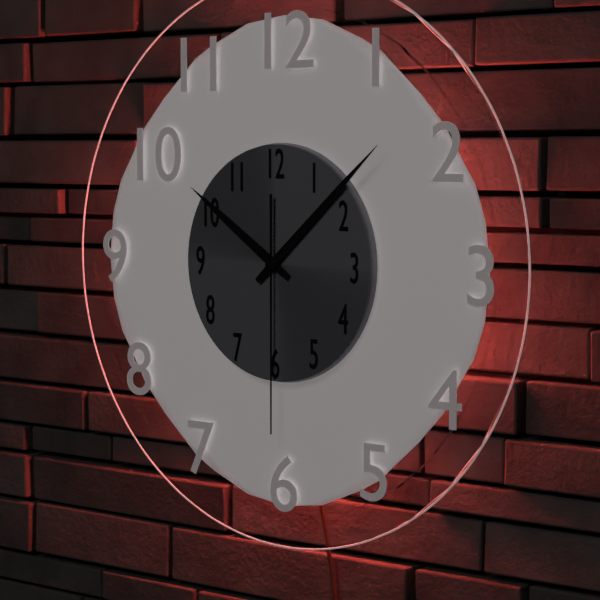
10:08:30
